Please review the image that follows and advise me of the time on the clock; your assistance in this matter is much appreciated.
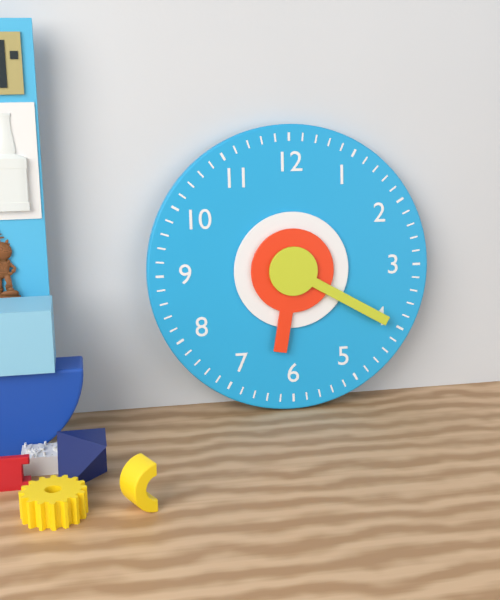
6:20
